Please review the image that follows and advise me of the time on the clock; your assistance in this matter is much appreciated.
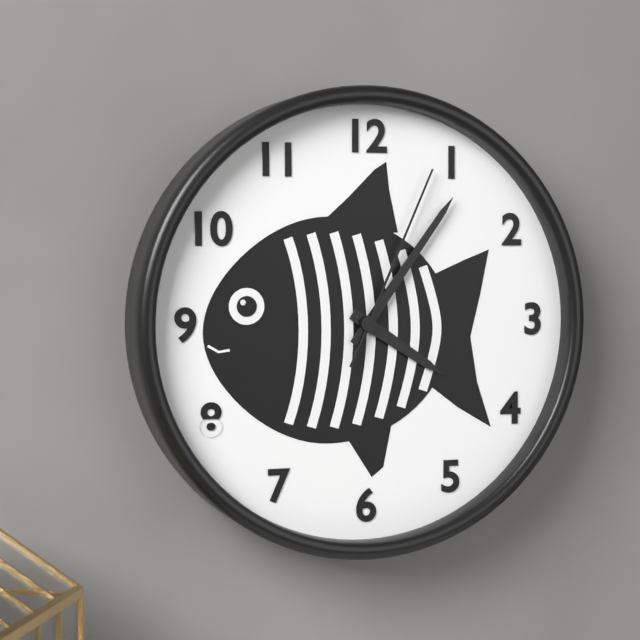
4:06:04
